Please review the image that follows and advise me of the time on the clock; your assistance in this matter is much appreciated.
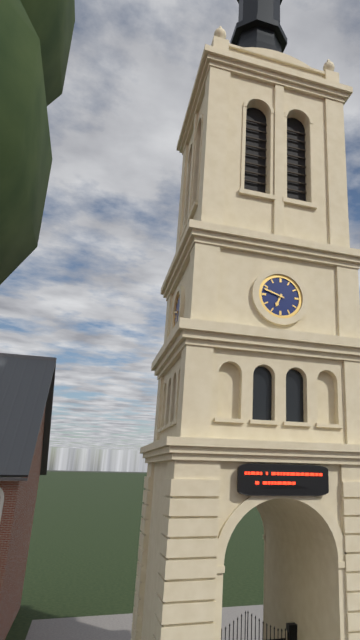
6:48
